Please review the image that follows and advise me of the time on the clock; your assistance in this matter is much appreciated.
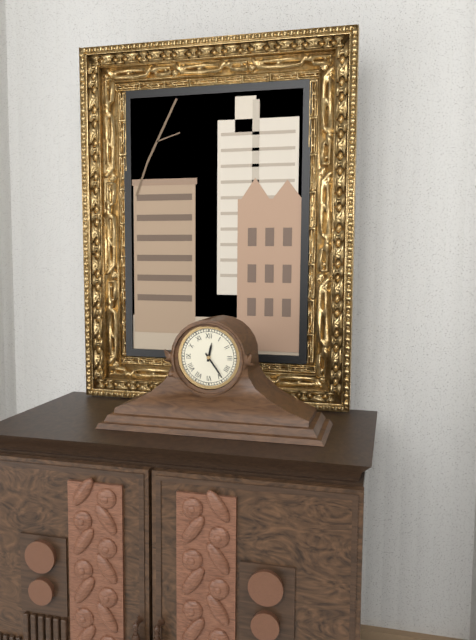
12:24
